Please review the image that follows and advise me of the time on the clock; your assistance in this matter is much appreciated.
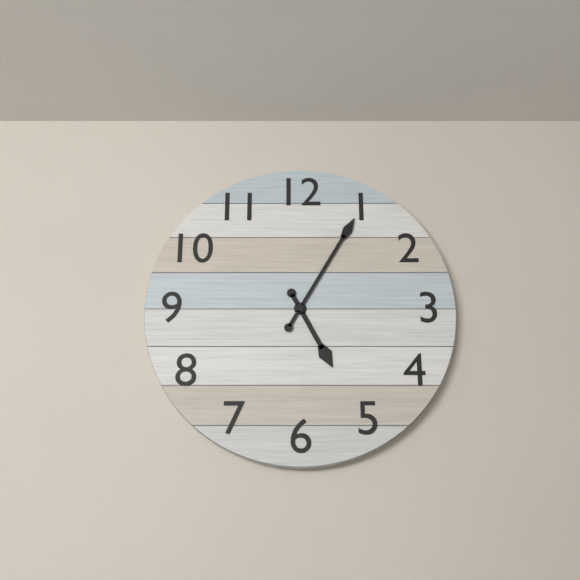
5:05
